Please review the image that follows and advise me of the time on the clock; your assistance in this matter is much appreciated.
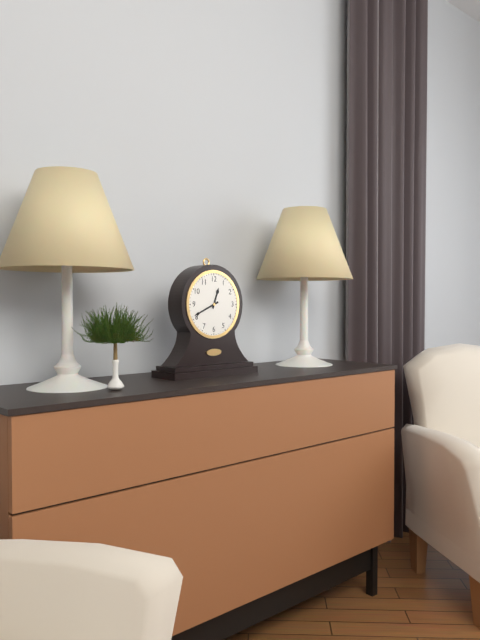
12:41
